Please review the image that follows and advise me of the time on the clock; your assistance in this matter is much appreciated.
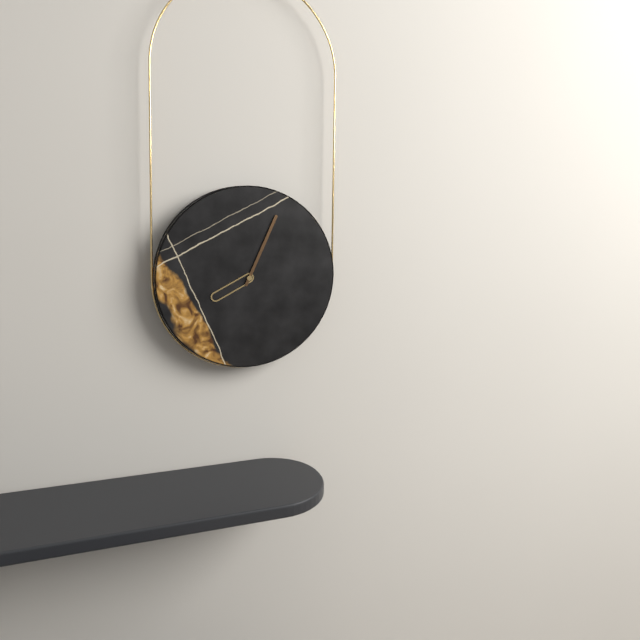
8:04
